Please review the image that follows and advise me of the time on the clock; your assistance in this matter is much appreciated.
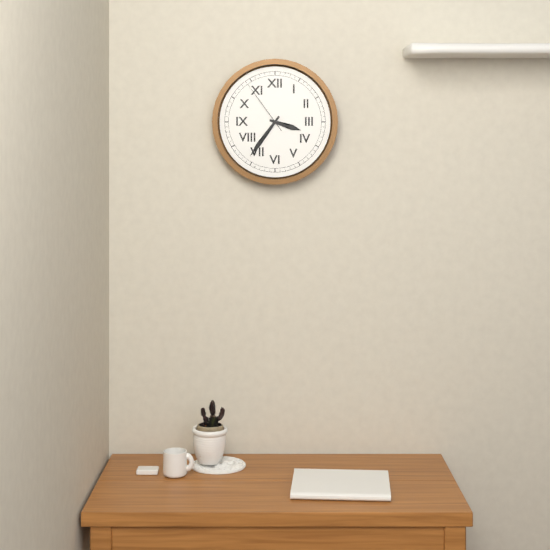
3:36:54
